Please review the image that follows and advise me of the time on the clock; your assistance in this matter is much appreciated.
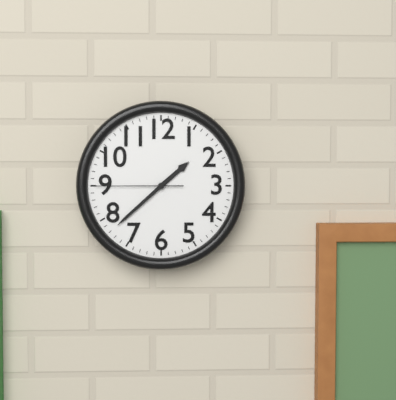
1:38:45
